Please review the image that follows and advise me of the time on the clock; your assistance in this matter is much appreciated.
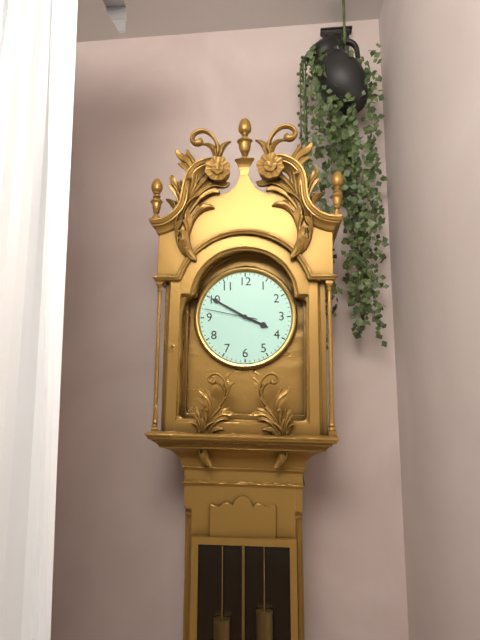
3:50:47
